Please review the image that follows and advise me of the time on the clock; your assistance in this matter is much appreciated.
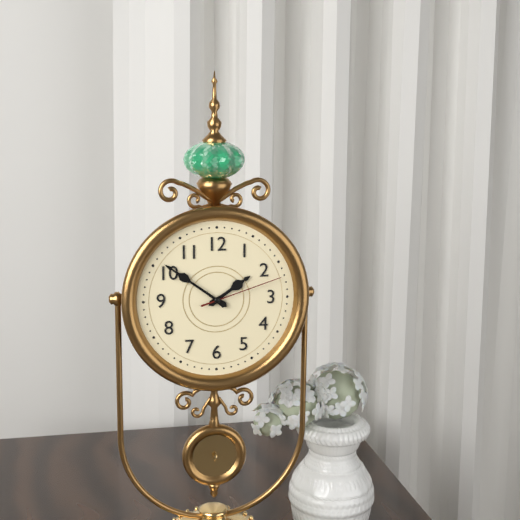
1:51:12
